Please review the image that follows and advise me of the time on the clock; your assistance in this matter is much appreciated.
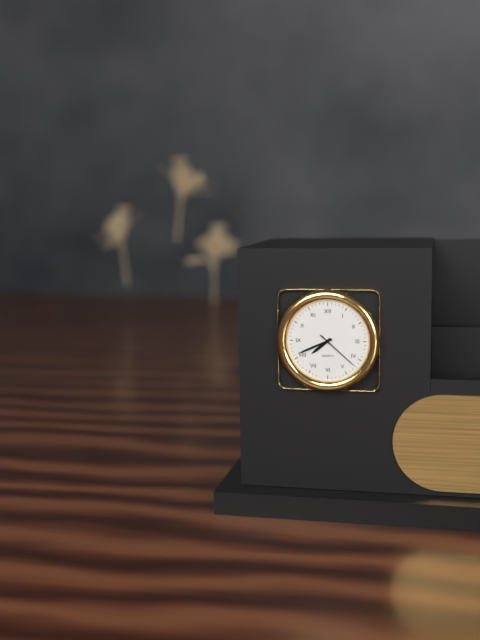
7:41
